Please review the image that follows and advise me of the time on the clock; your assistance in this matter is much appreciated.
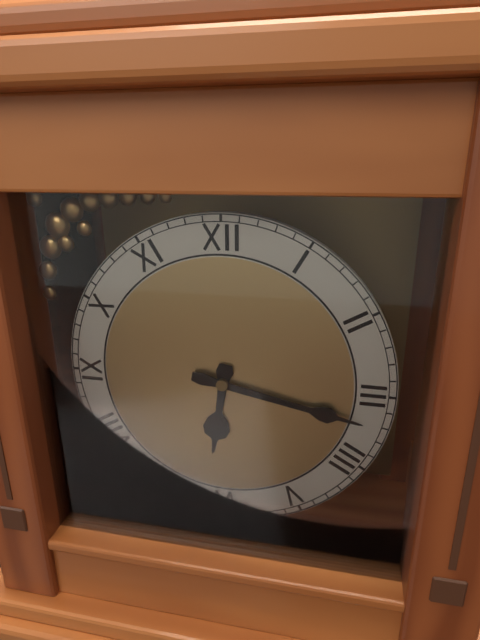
6:17
